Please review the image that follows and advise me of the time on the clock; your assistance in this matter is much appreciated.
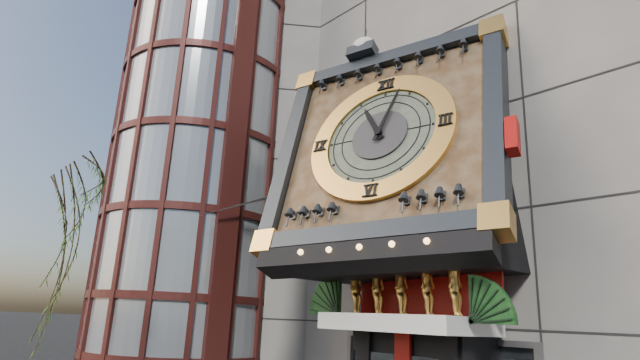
11:03
